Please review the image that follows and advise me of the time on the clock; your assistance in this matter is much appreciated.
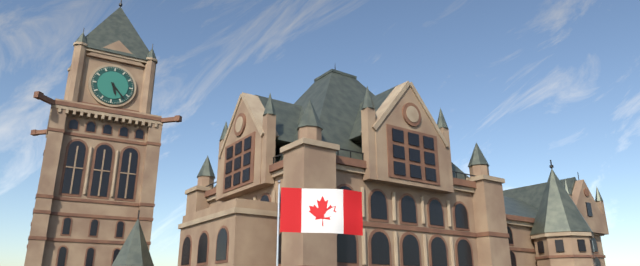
5:23
